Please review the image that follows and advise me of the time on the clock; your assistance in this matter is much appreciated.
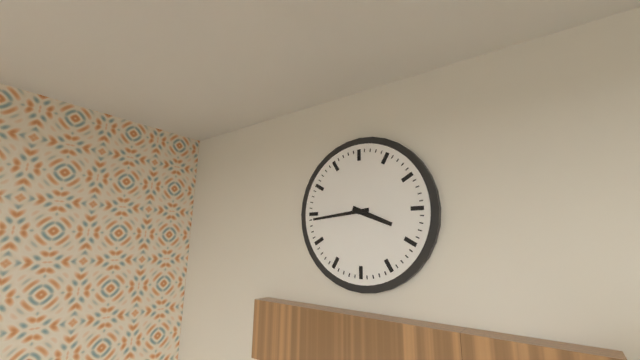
3:44
